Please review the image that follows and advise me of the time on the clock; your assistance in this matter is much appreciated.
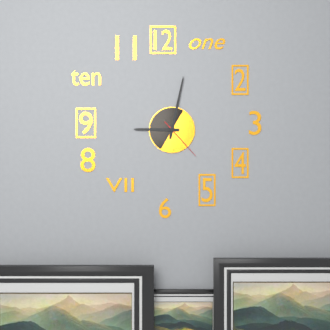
9:02
